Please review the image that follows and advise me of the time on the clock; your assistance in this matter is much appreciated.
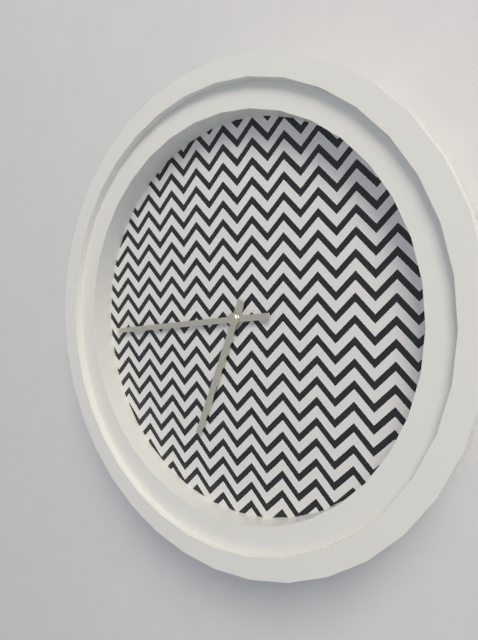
6:44
